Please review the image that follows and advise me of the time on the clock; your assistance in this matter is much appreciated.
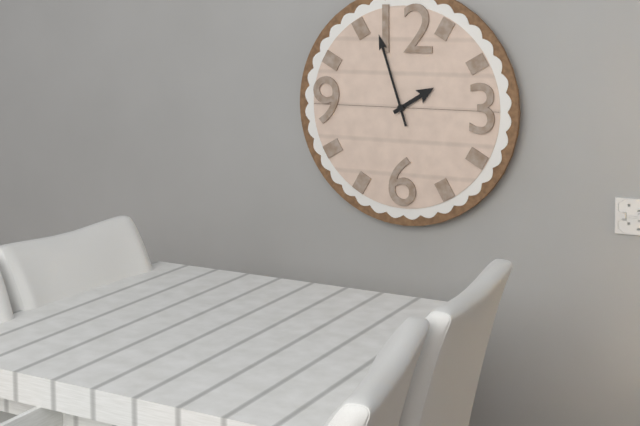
1:57
